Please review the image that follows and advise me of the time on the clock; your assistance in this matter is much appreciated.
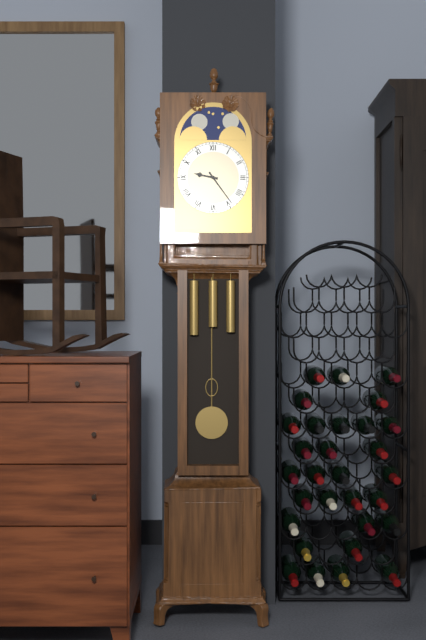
9:24
